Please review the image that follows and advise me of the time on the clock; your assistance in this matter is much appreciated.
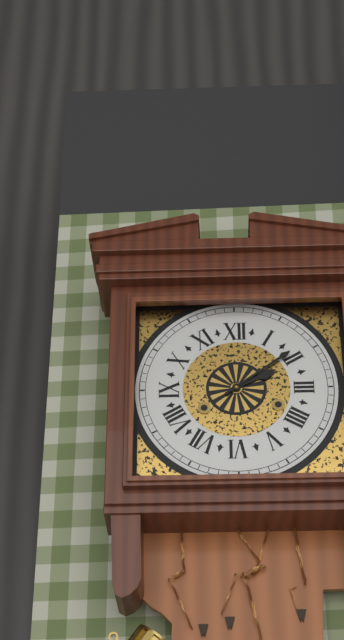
2:09
